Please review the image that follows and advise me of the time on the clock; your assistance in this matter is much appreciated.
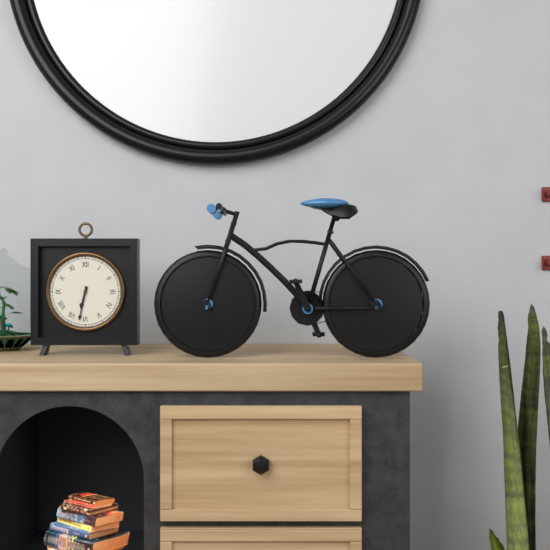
6:32
